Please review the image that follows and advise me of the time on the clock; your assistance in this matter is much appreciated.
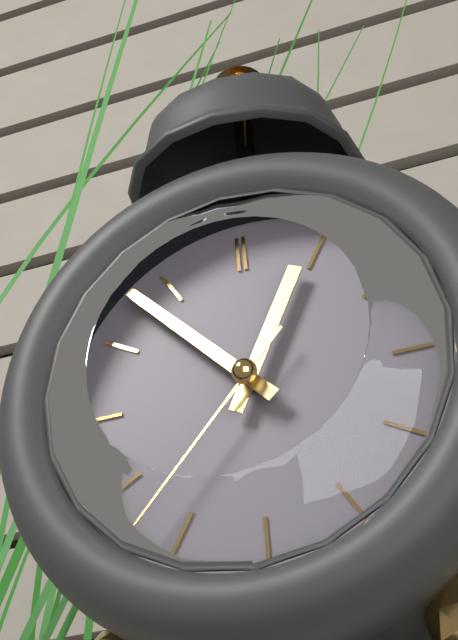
12:53:37
